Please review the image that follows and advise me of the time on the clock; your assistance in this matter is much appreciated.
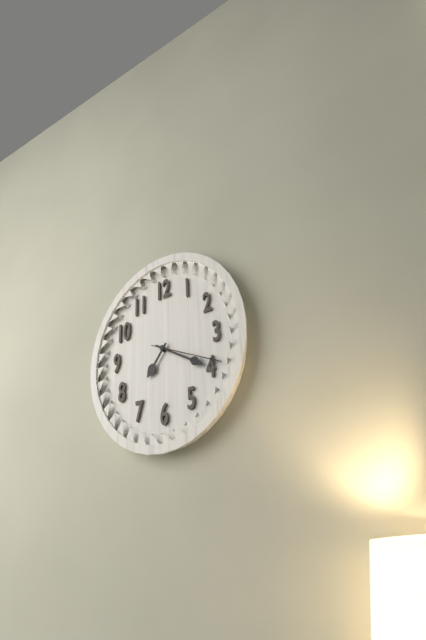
7:20:19
